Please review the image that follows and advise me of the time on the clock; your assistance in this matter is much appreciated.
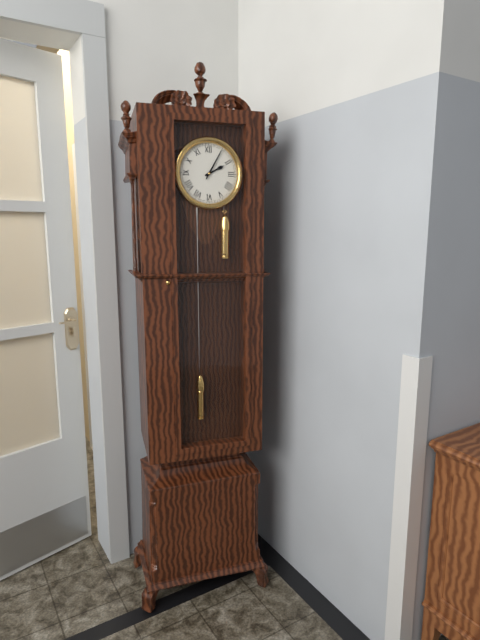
2:05
